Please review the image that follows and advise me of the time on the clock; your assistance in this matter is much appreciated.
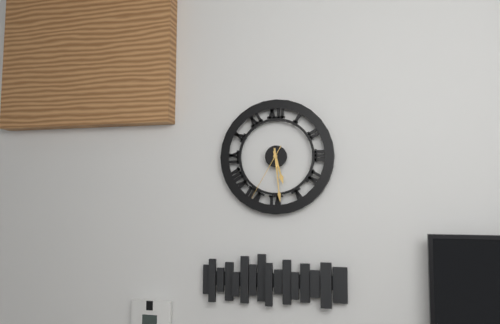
5:29:35
